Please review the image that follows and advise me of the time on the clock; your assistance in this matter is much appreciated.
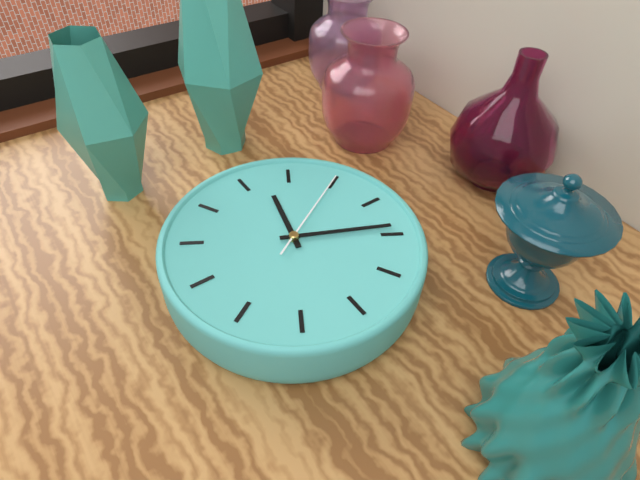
2:29:20
